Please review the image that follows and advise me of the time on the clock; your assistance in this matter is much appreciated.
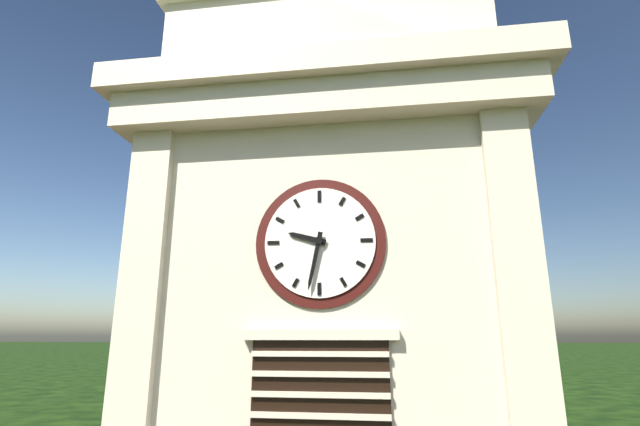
9:32
